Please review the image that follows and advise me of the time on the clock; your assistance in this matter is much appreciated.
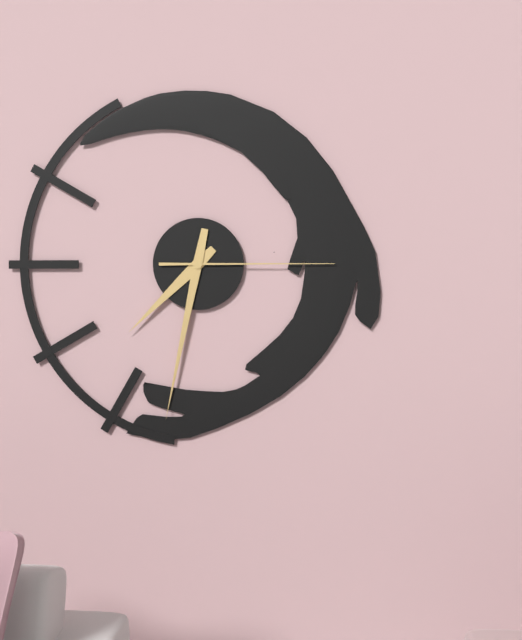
7:32:15
